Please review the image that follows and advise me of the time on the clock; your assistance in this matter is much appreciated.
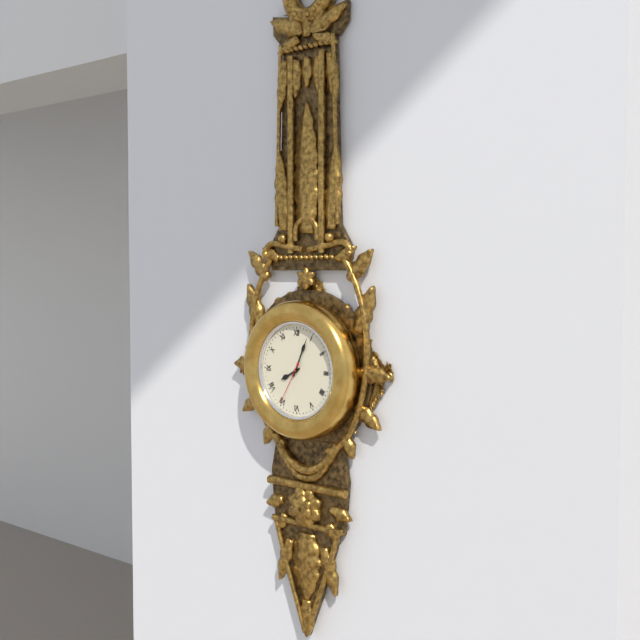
8:04:35
